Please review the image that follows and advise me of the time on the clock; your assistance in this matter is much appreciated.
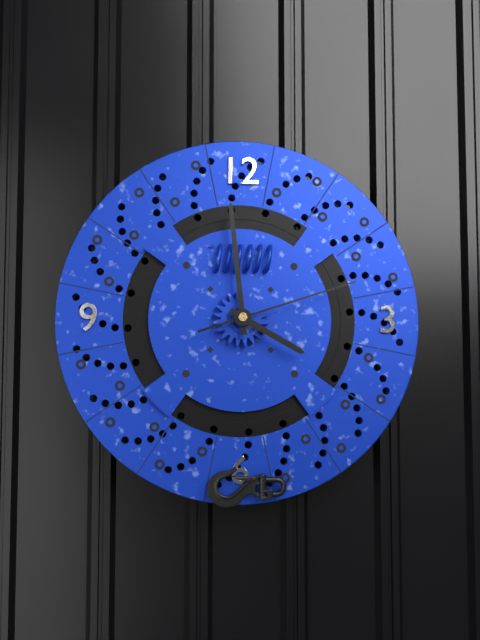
3:59:12
